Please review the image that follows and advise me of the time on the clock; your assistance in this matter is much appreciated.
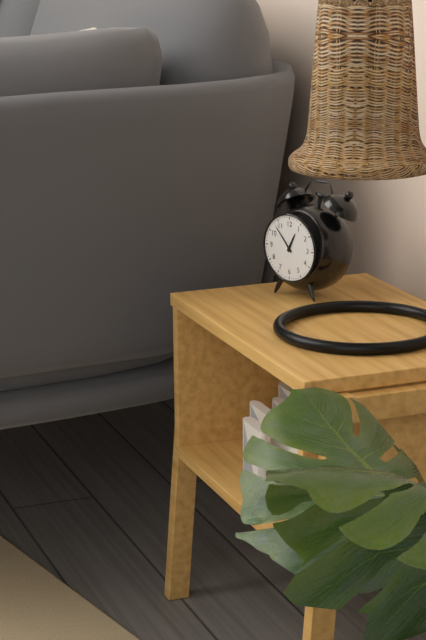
12:53
